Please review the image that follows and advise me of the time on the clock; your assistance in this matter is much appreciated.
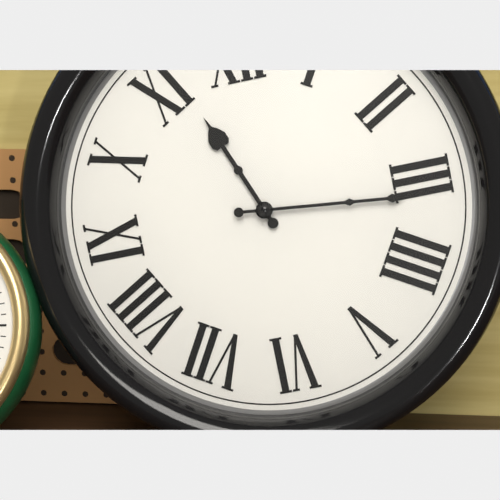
11:16
